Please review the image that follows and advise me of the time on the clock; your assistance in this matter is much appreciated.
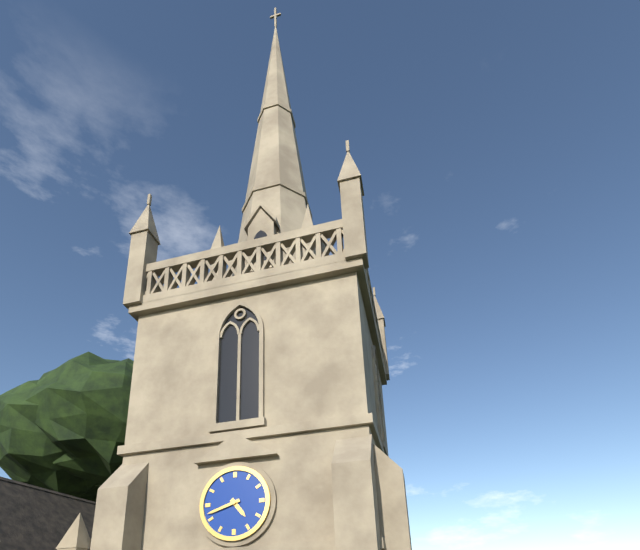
4:42
